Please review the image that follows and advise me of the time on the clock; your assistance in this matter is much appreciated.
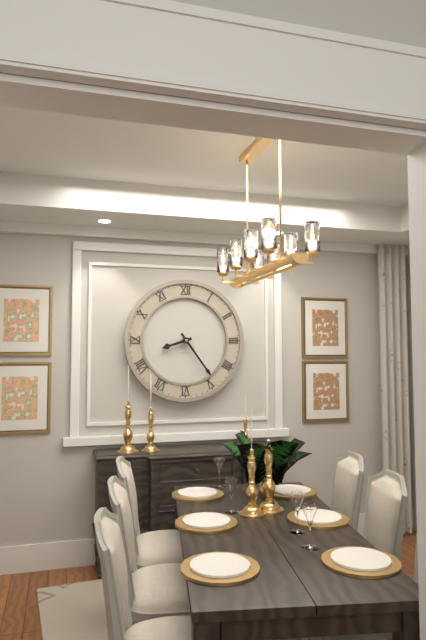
8:24
